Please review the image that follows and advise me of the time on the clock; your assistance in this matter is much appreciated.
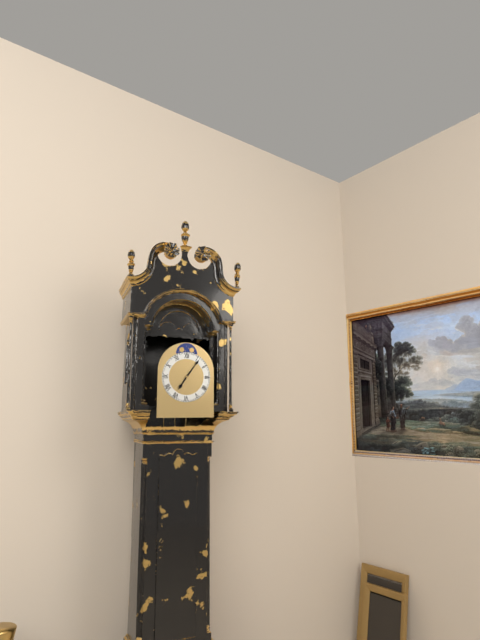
7:06
